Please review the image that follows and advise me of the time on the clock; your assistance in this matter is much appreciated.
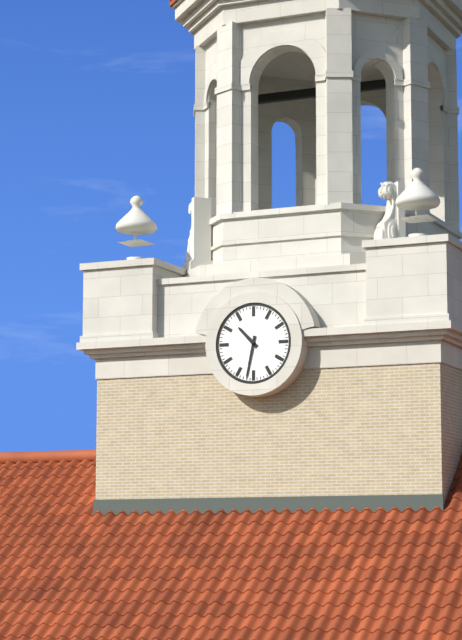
10:32
